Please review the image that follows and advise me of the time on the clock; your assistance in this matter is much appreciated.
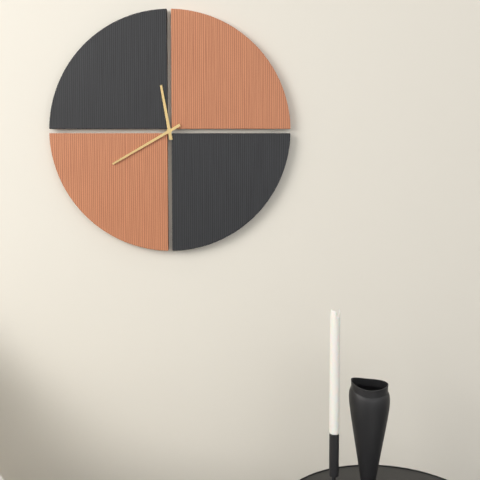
11:40
